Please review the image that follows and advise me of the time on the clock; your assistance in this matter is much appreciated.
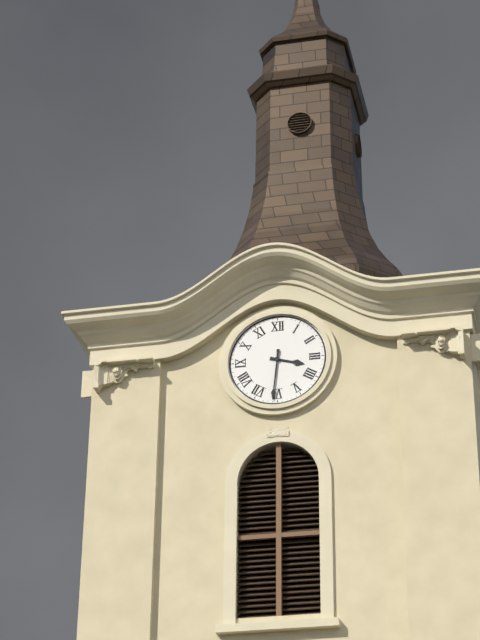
3:31
